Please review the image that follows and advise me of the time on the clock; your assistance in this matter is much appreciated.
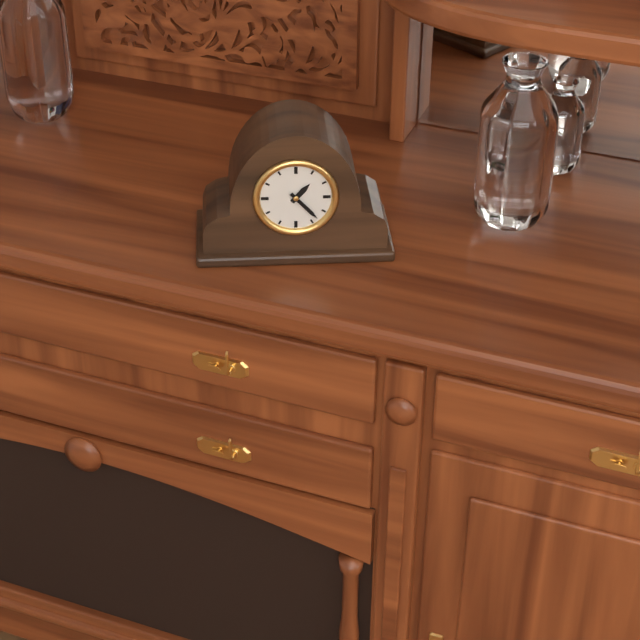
1:23
